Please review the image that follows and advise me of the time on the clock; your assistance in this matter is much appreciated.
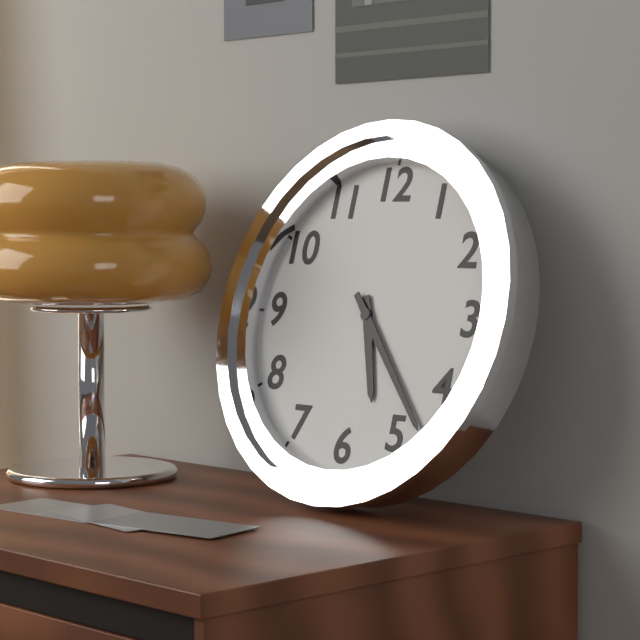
5:23
